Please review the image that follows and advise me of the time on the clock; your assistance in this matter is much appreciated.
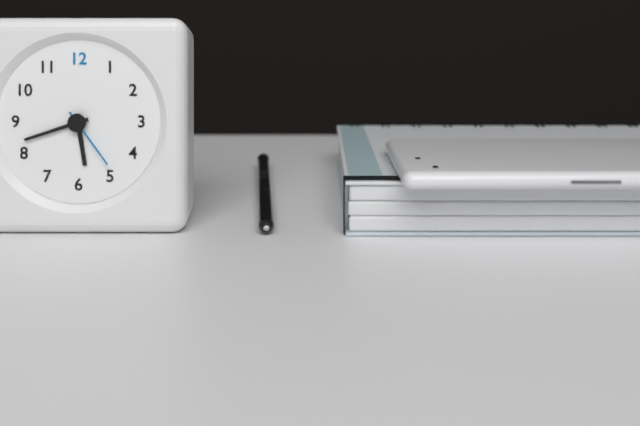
5:42:24
